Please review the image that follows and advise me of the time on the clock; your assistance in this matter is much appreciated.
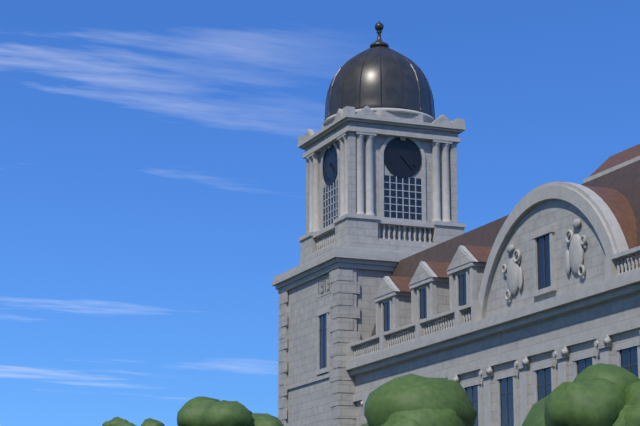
4:23
